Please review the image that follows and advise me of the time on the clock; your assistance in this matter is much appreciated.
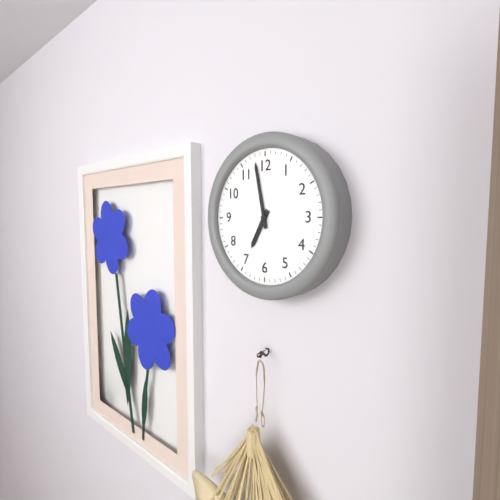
6:58
